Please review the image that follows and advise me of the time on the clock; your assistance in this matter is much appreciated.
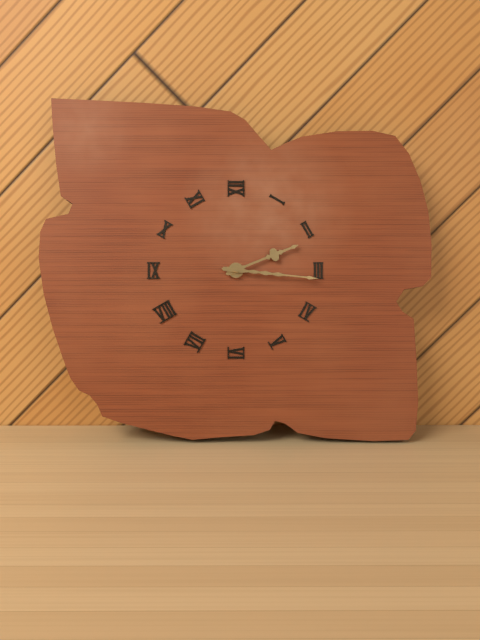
2:16
